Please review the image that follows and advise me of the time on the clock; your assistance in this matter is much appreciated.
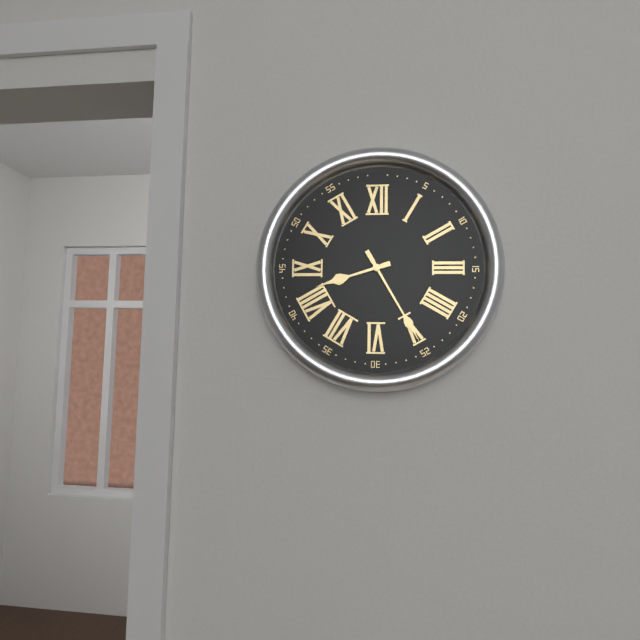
8:25
